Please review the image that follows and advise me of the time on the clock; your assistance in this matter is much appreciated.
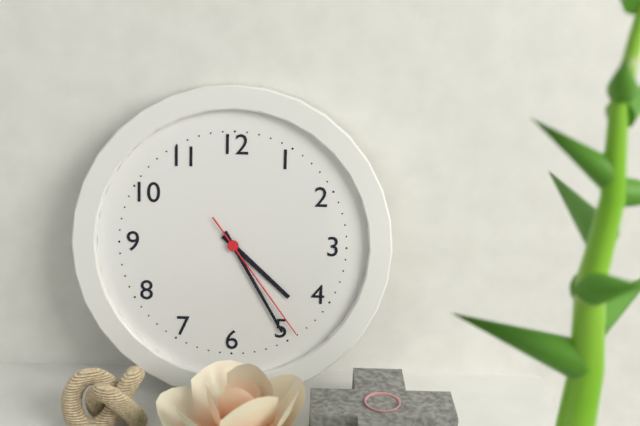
4:25:24
